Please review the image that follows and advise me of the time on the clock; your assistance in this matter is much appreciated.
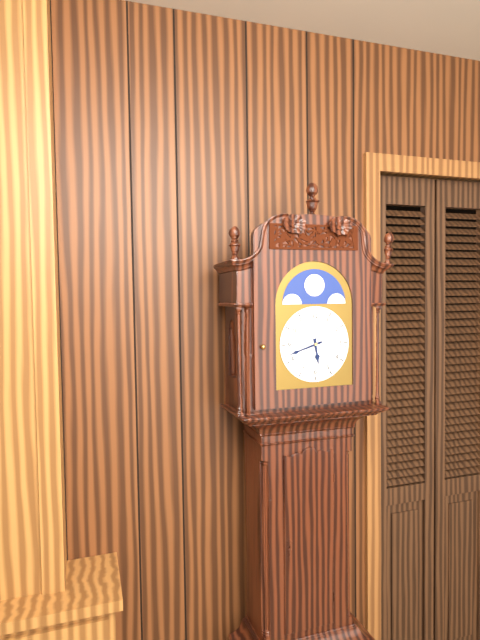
5:42
